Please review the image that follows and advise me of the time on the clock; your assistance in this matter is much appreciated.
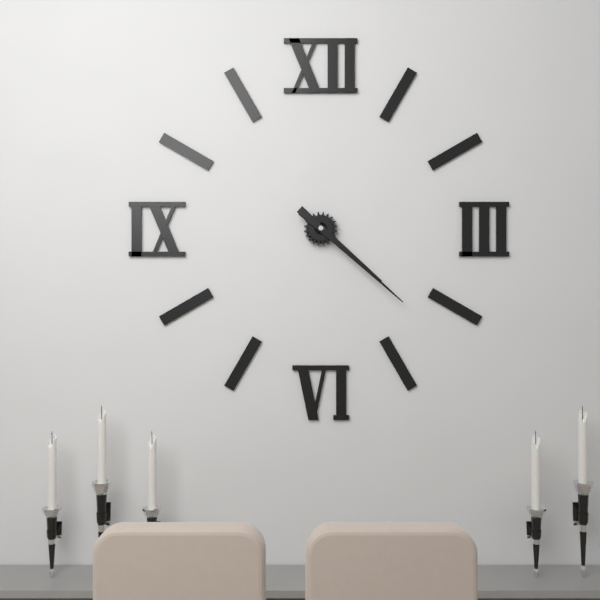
4:22
